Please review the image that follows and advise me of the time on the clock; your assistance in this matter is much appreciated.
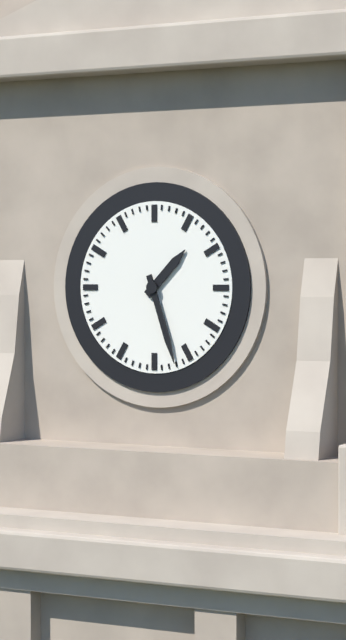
1:27
